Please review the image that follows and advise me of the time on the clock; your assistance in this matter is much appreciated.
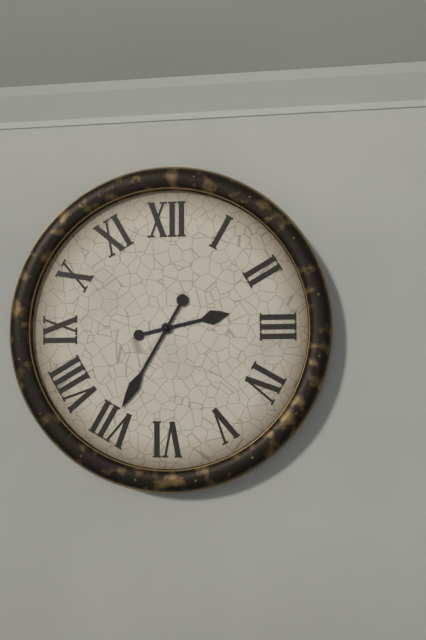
2:35
